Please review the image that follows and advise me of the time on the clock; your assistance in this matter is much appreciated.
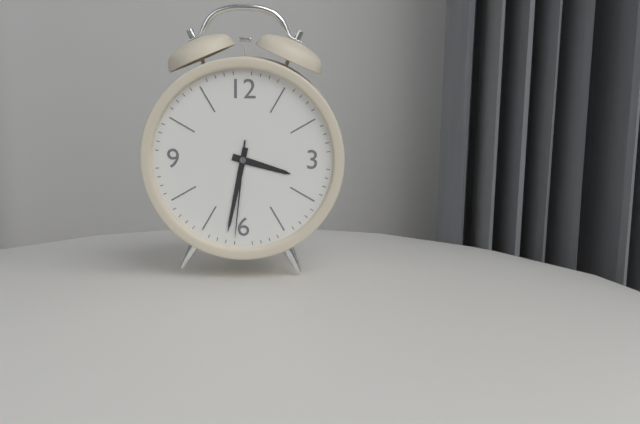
3:32:31
